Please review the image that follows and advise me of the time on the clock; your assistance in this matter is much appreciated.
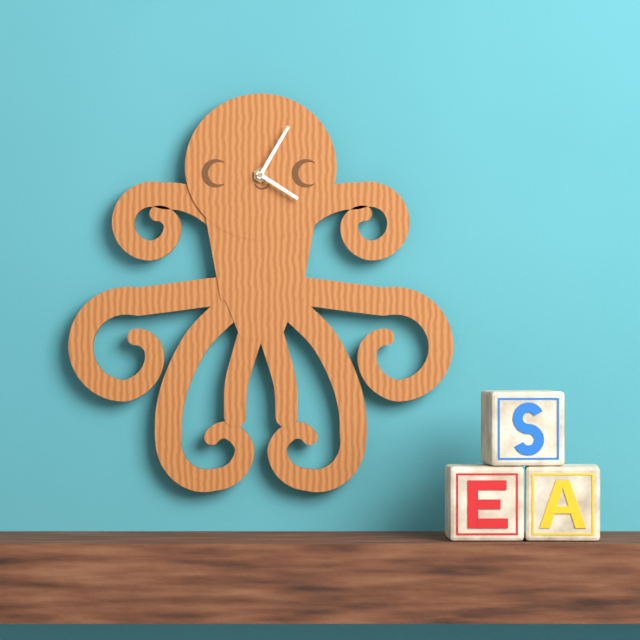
4:05
